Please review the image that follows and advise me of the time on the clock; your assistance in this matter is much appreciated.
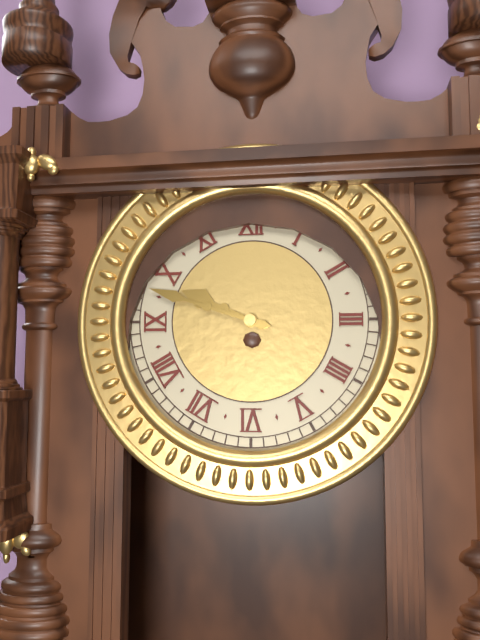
9:48
